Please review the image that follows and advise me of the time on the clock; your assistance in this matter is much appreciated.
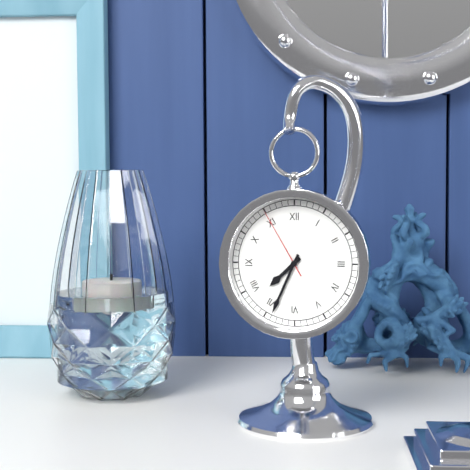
7:34:55
